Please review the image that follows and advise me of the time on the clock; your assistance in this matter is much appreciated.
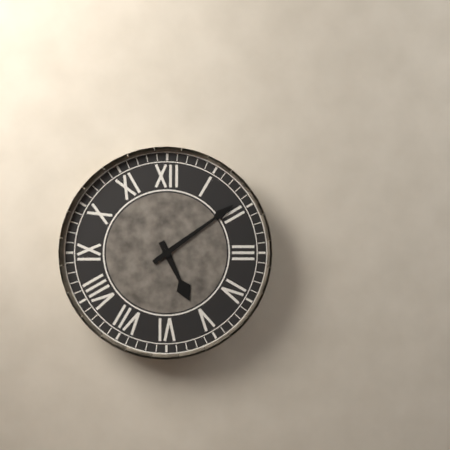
5:09
